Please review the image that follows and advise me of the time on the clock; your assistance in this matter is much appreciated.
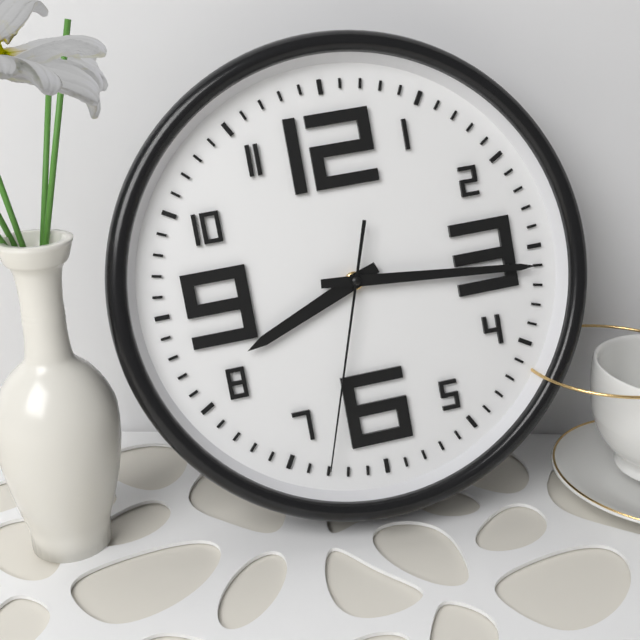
8:16:33
